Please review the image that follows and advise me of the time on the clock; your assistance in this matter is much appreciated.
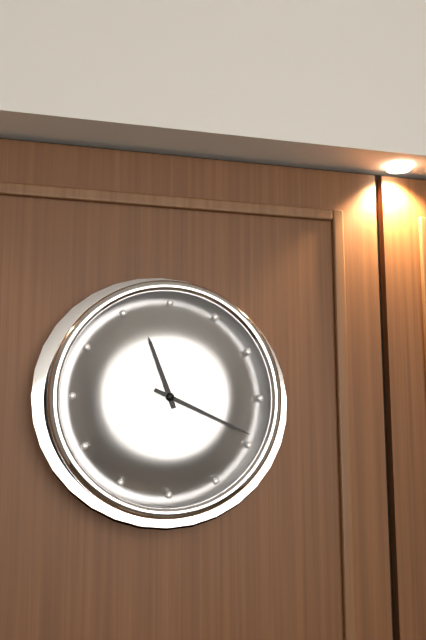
11:19
